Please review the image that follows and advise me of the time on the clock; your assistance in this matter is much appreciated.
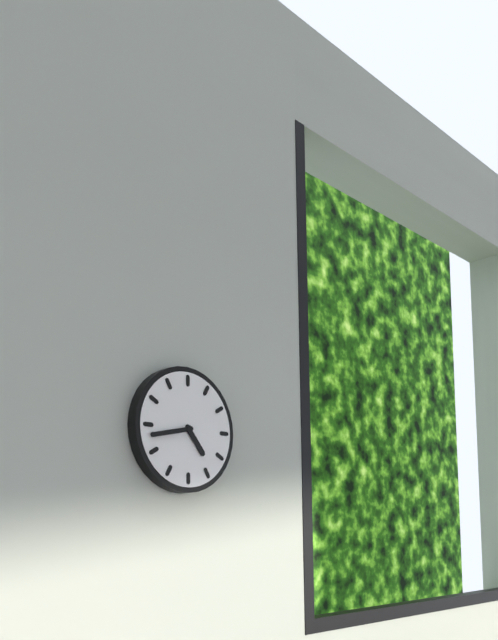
4:43
